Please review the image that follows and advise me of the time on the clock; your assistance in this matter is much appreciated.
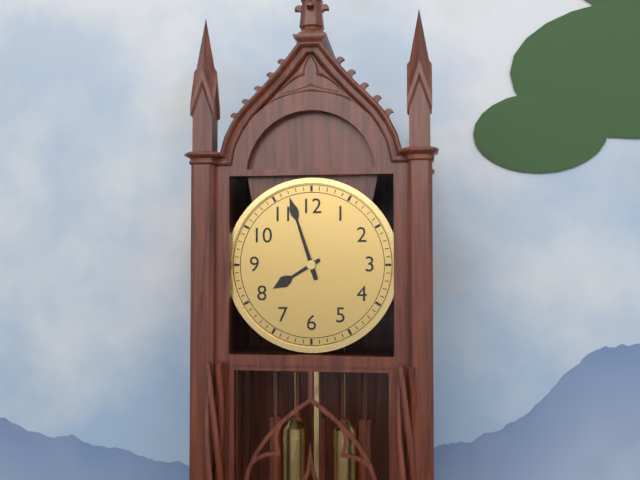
7:57
